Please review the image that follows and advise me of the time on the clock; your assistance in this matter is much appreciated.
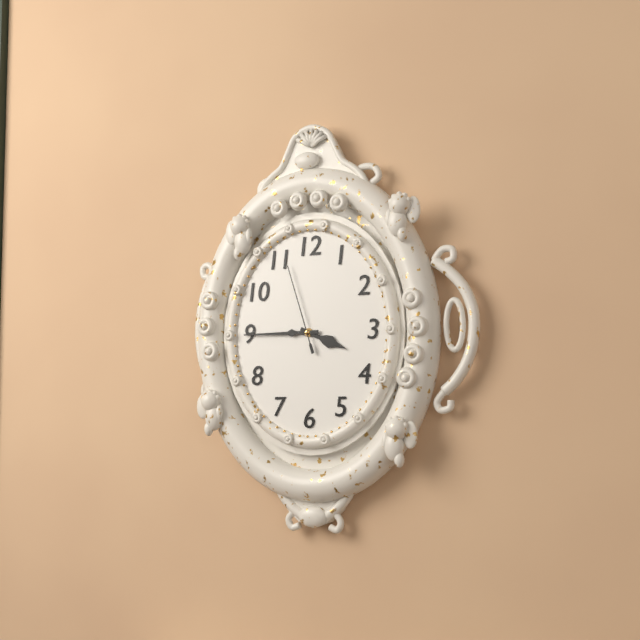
3:45:57
